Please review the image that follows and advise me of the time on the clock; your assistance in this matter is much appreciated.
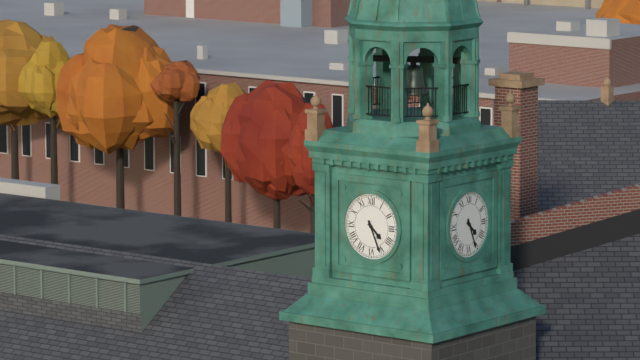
4:26
